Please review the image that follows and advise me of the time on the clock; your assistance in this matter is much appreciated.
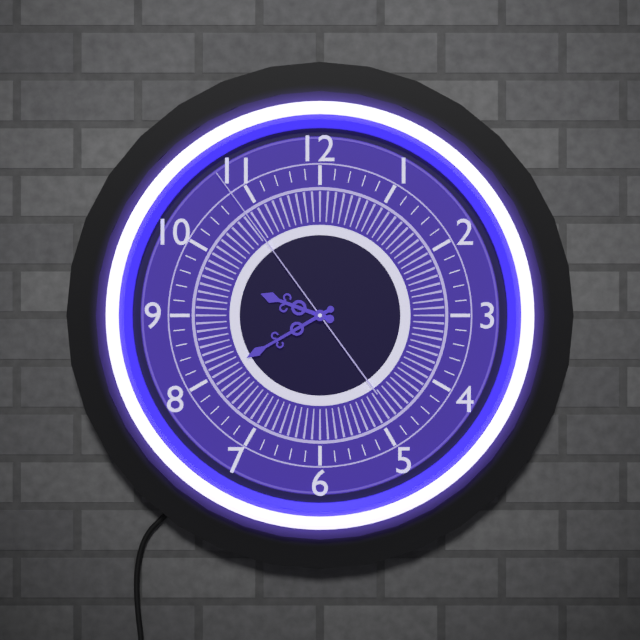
9:40:54
